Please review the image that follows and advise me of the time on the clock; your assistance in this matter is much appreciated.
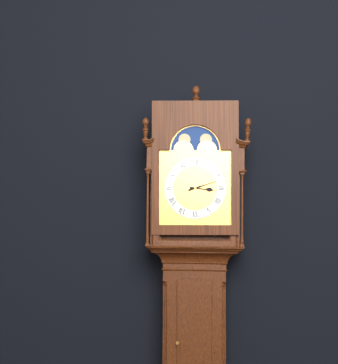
3:12
